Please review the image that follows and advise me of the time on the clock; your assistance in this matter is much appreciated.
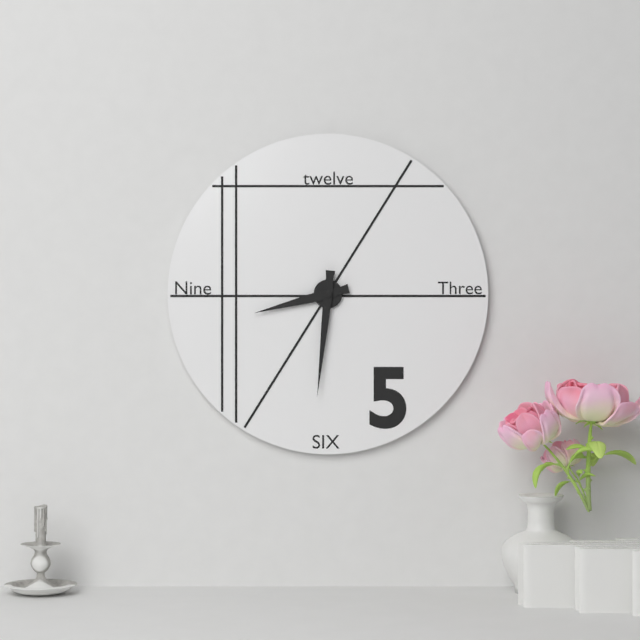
8:31
